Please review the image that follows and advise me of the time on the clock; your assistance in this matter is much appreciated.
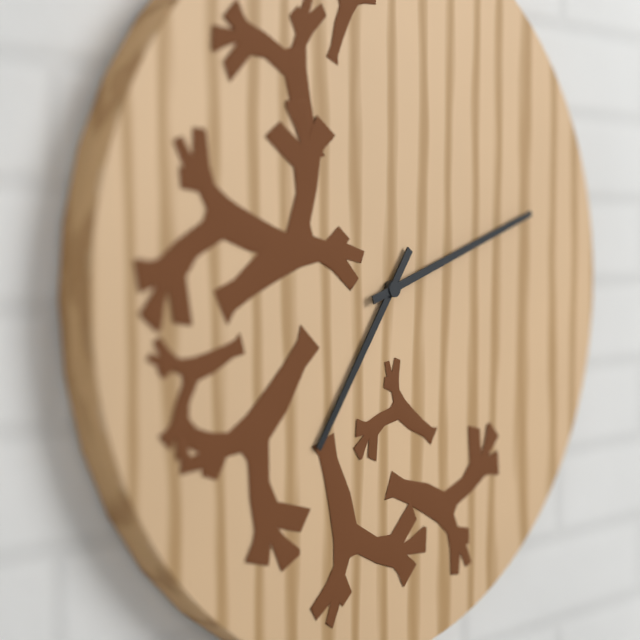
7:12
